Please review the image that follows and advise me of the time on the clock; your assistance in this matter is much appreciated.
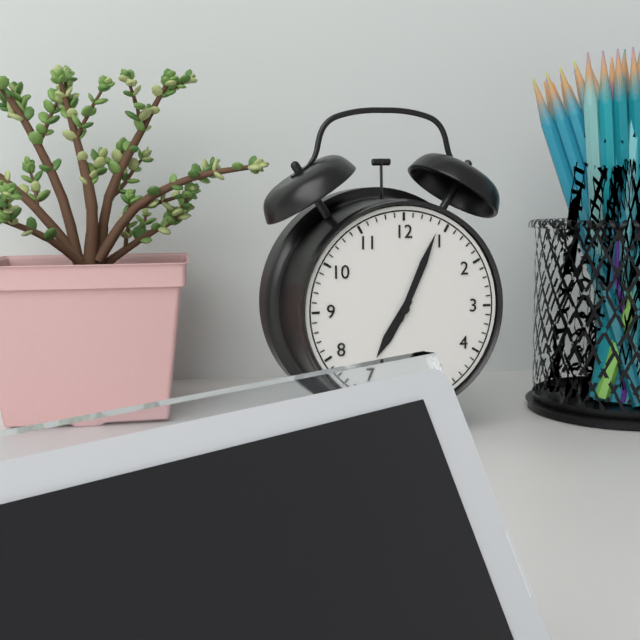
7:04
